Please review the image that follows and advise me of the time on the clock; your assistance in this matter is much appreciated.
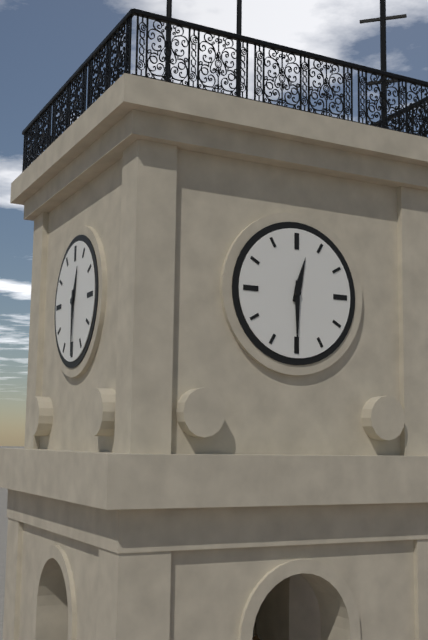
12:30
